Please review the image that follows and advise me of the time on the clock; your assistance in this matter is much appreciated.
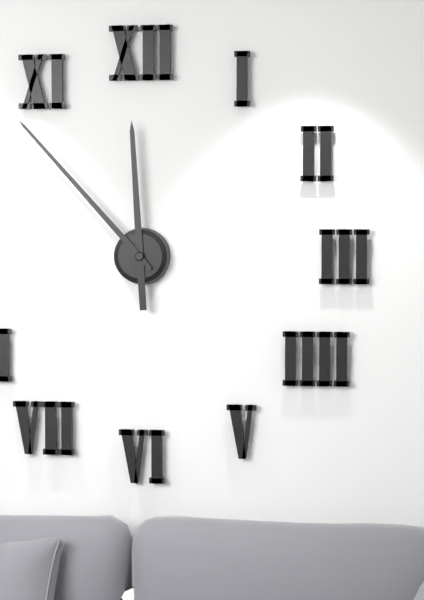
11:53
